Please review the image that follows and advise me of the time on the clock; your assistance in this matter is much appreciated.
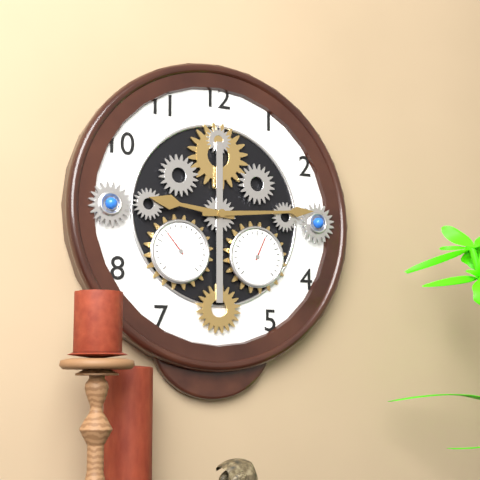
9:14
